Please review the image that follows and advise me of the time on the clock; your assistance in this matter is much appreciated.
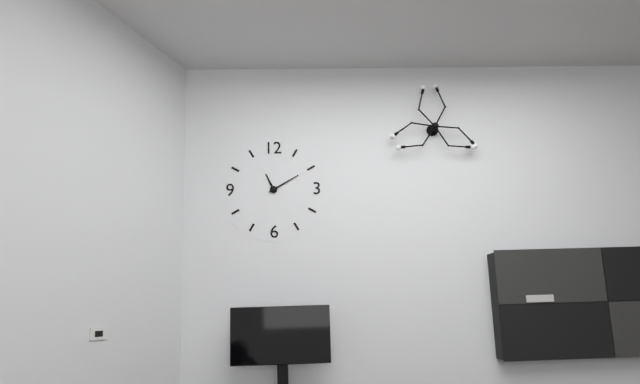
11:10
